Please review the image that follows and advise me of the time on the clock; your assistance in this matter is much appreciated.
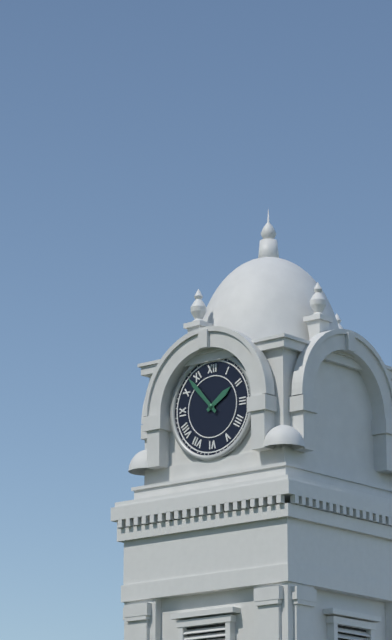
1:53
